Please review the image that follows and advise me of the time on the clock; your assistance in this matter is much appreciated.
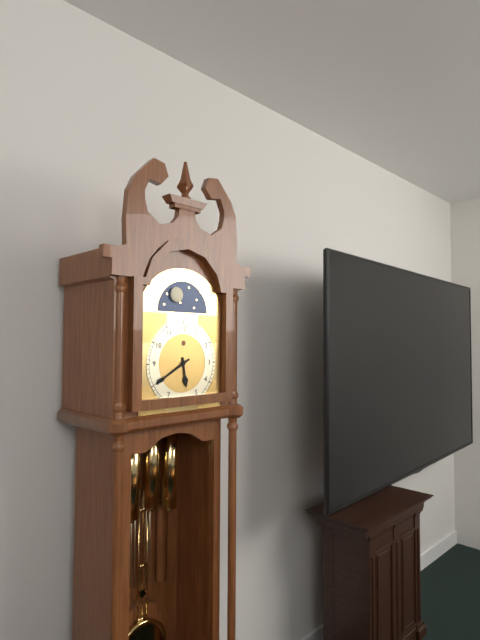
5:40
